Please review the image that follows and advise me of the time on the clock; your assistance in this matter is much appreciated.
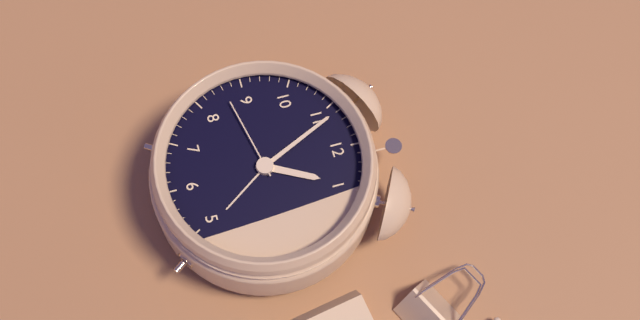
12:56:43
